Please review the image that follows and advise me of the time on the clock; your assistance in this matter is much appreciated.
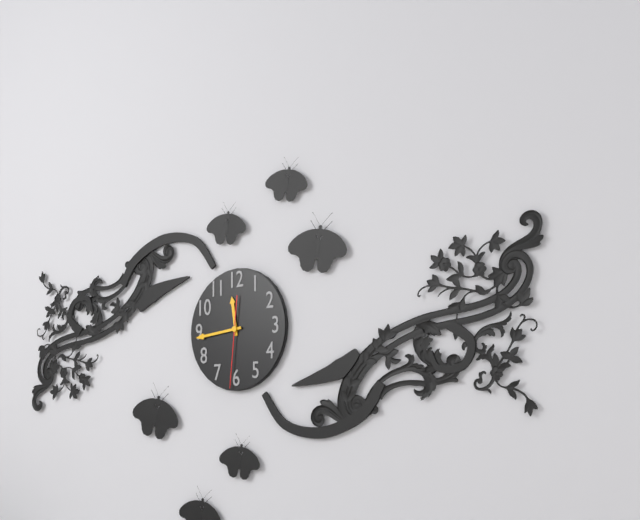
11:44:31
